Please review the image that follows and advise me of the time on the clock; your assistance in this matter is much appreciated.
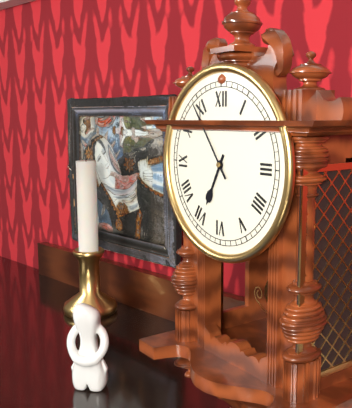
6:54
